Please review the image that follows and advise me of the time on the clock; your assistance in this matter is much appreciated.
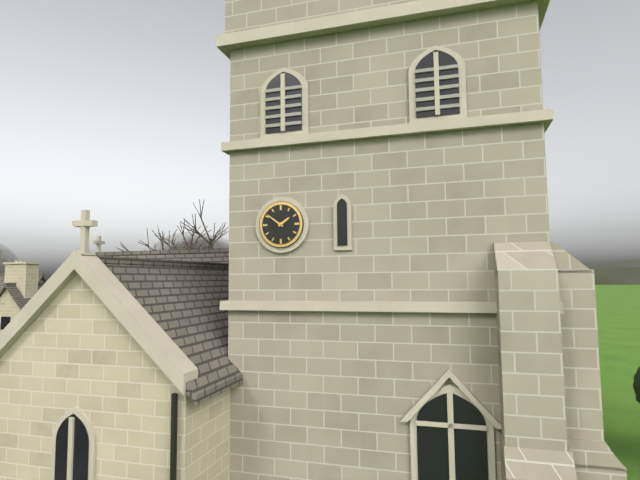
1:51
